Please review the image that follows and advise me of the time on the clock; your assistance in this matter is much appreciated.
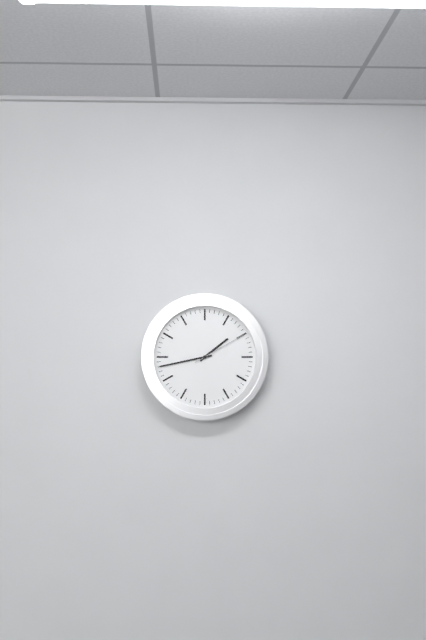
1:43:10
